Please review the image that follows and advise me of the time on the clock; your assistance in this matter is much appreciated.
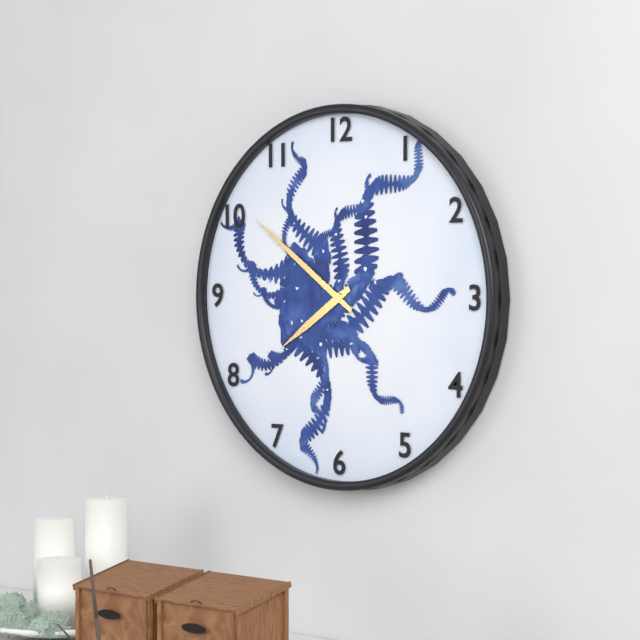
7:51
